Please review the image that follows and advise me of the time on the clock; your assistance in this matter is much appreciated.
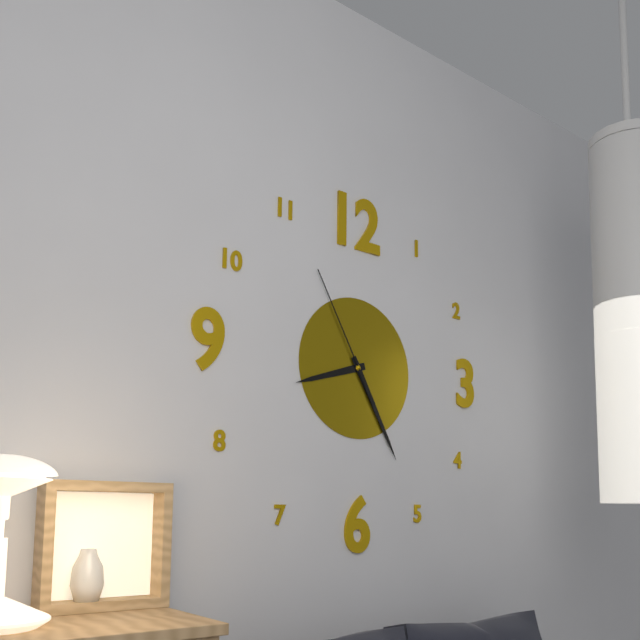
8:25:55
